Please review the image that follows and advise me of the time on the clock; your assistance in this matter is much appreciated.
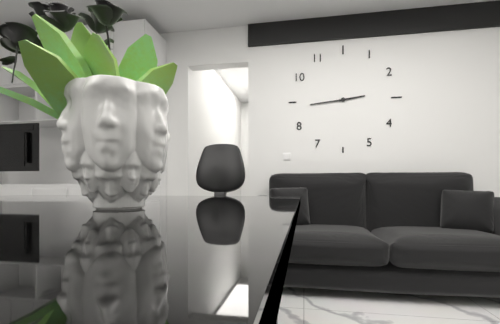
2:44
